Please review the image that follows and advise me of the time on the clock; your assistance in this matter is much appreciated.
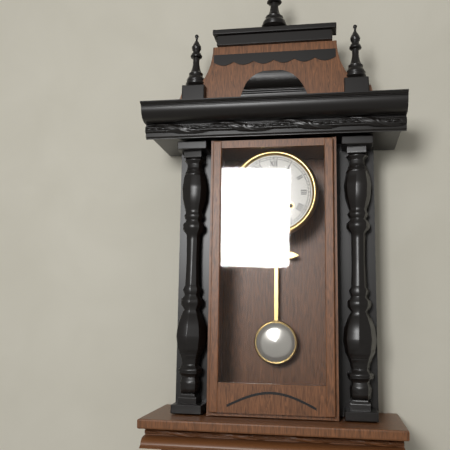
9:54
